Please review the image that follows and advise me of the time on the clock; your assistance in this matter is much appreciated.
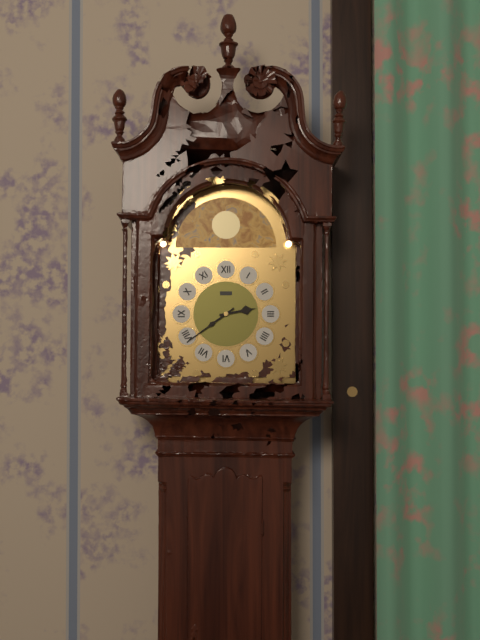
2:39
